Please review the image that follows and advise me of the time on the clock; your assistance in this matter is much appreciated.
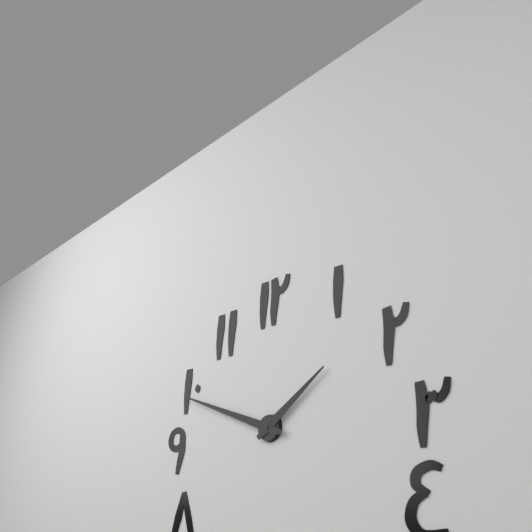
1:49
